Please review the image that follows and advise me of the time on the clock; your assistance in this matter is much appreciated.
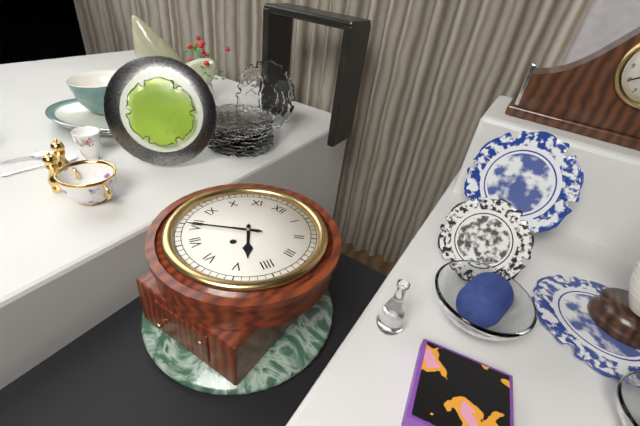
4:40
